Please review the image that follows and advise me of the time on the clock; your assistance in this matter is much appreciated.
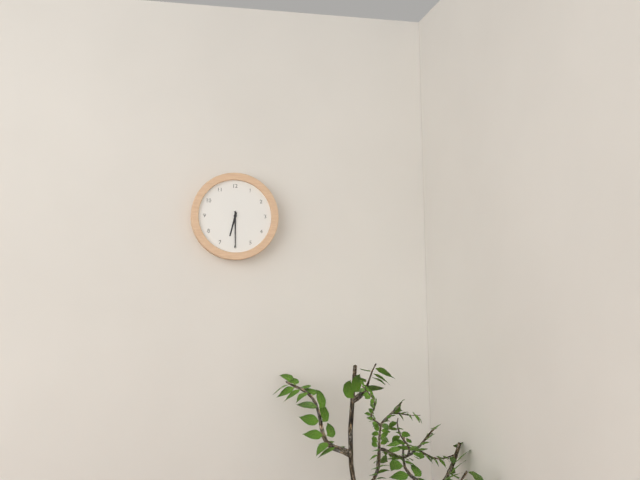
6:30
